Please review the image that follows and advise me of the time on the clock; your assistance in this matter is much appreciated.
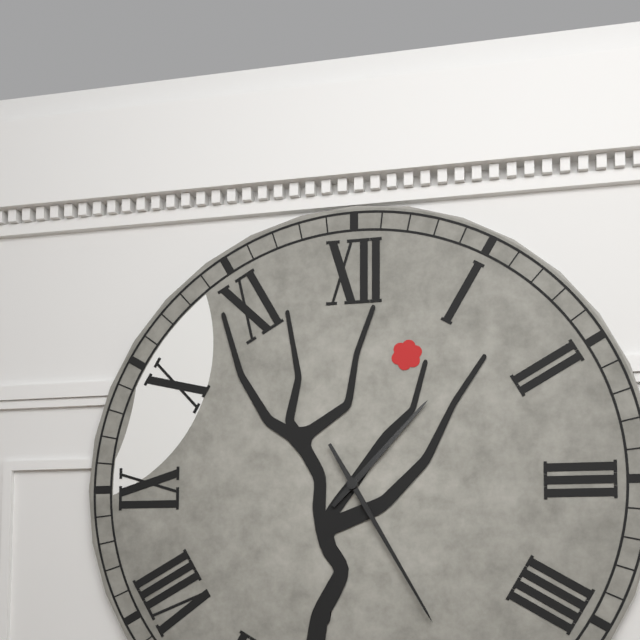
1:25
